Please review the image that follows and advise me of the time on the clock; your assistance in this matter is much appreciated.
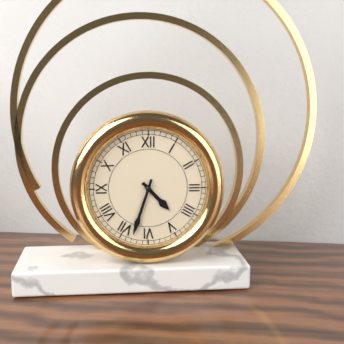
4:33
